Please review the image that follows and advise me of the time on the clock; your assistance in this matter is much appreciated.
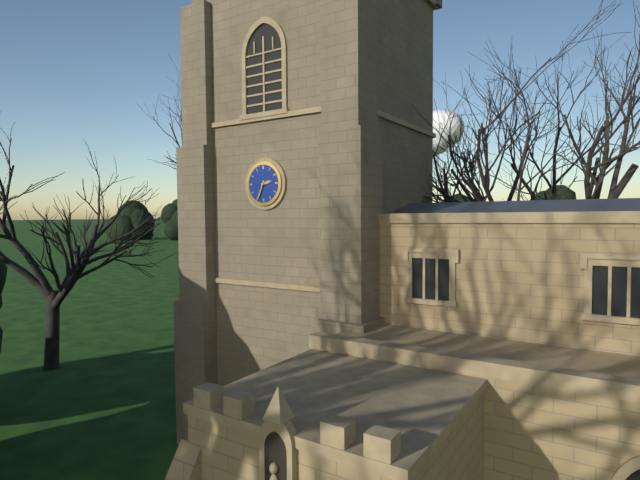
2:34
